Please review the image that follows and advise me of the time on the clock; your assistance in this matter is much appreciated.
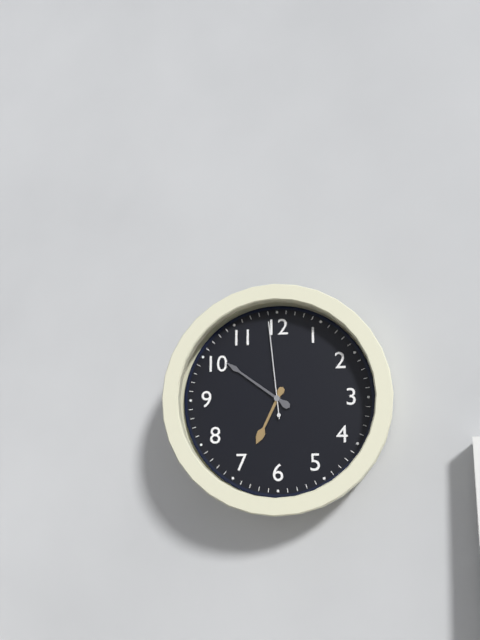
6:51:59
